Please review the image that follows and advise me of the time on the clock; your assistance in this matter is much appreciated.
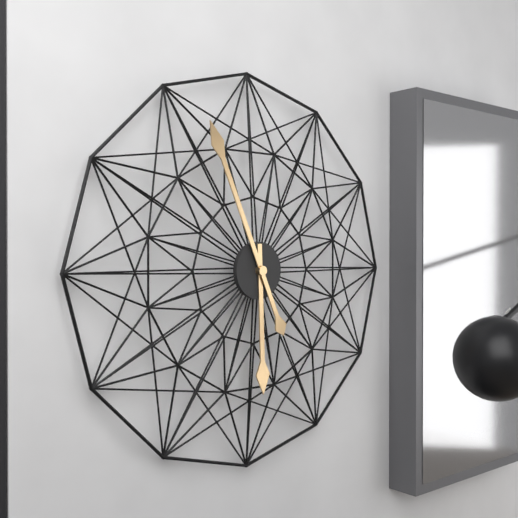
5:56
